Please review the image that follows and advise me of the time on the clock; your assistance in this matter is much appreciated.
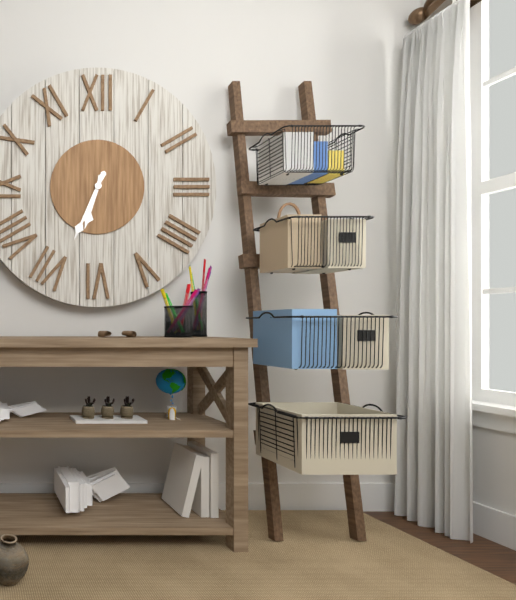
6:34
